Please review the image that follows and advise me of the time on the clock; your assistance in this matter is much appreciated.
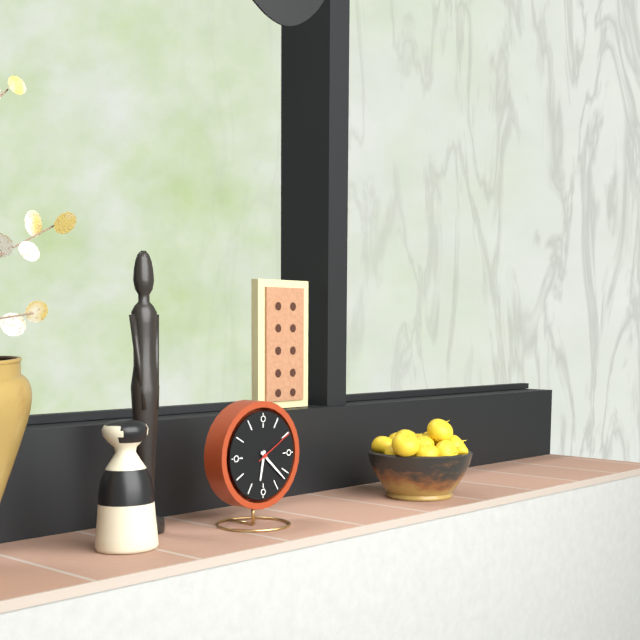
6:22
